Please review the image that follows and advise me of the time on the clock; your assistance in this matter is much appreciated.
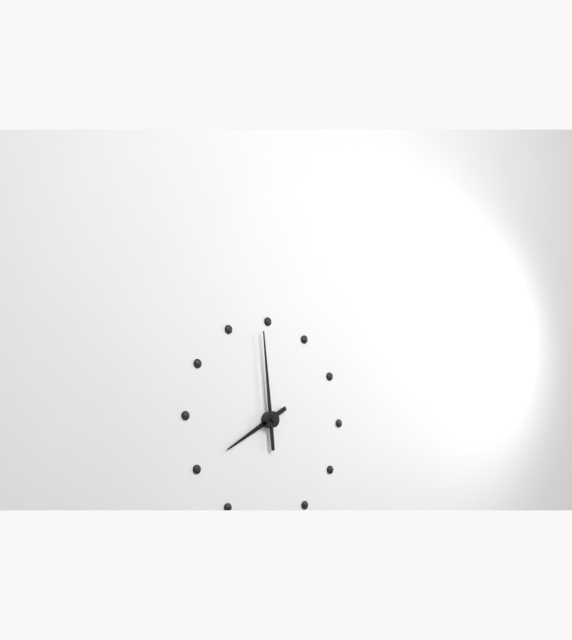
7:59
